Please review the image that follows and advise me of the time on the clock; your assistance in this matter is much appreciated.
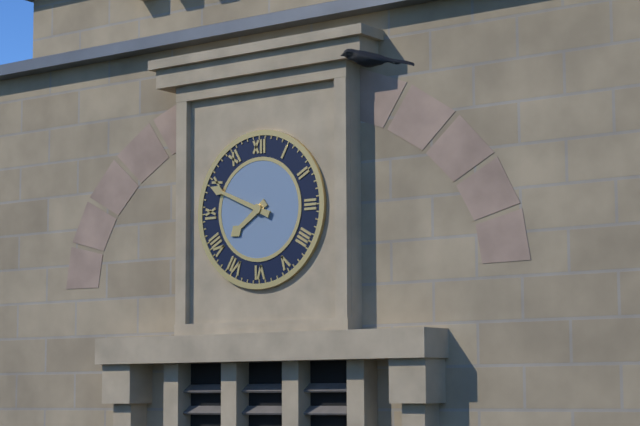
7:49
